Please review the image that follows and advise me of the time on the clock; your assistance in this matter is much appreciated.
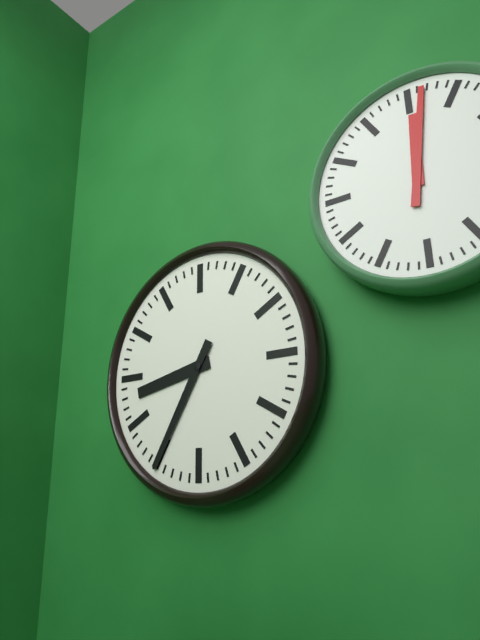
8:35
